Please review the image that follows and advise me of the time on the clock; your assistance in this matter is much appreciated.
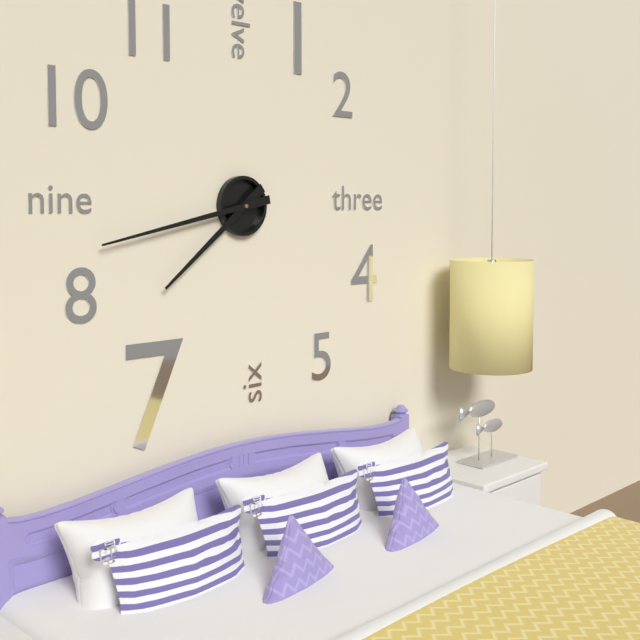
7:43
